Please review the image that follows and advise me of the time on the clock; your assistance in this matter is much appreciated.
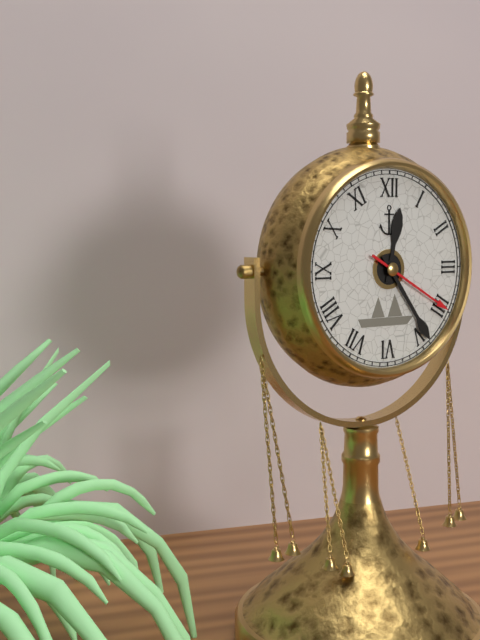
12:24:20
